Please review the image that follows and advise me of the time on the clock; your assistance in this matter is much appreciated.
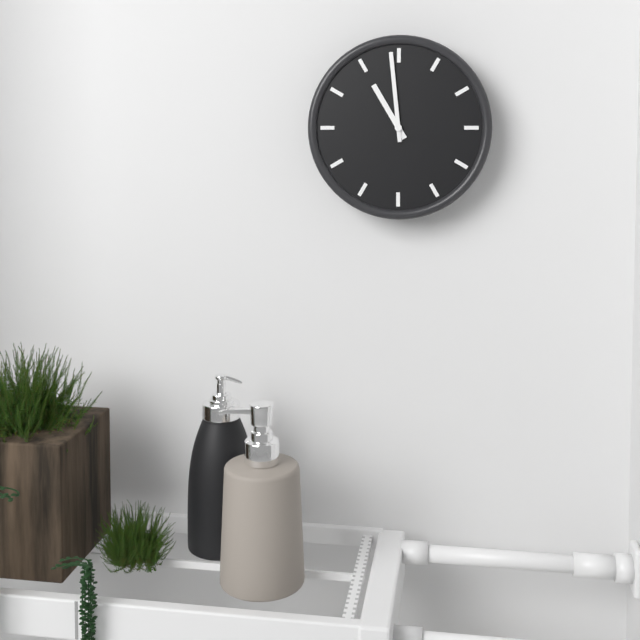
10:59
